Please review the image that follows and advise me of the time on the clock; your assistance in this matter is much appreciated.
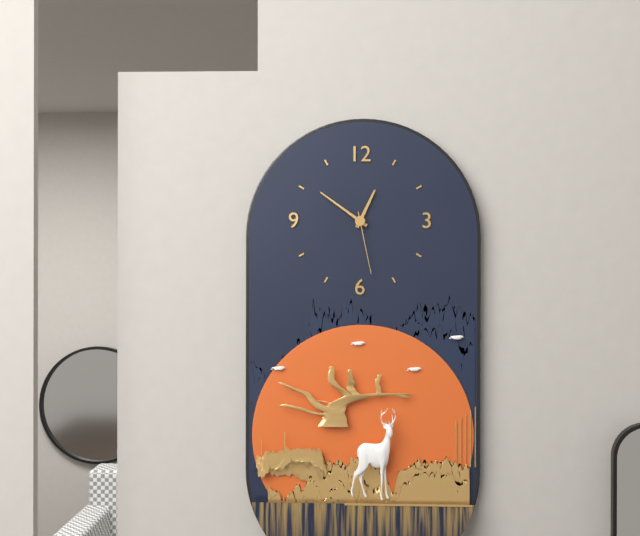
12:51:28
